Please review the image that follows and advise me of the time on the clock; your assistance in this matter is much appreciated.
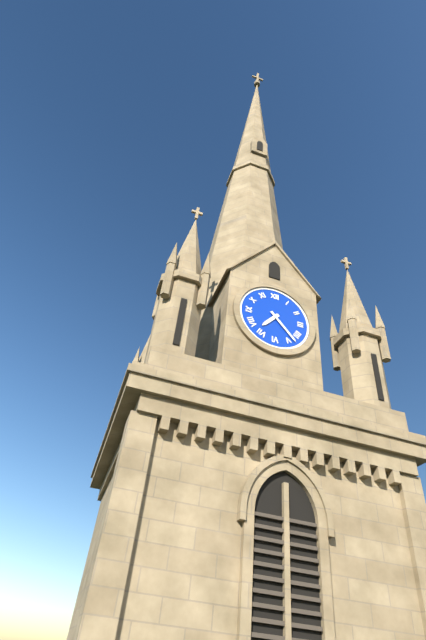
7:23
